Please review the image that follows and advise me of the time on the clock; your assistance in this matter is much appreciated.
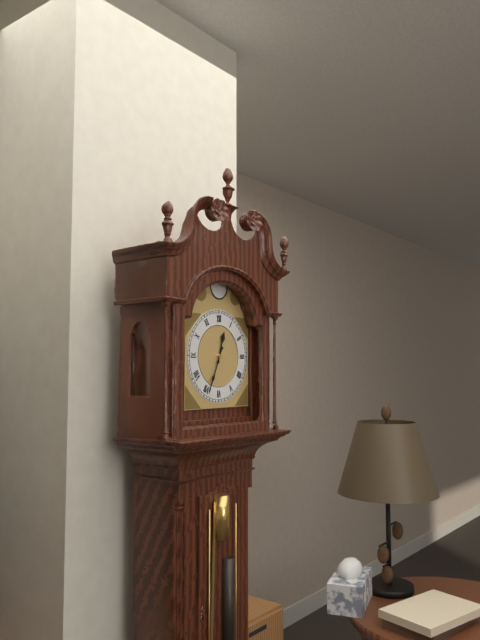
12:34
